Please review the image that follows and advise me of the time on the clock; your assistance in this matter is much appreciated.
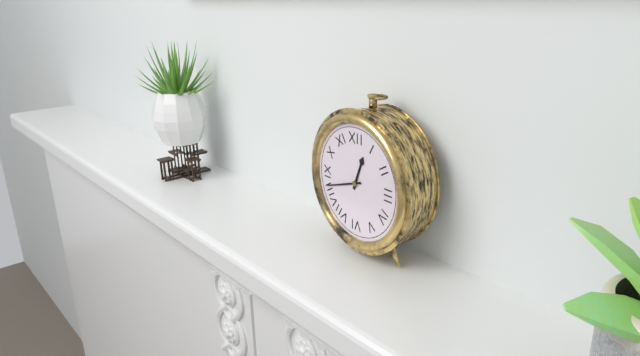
12:42
